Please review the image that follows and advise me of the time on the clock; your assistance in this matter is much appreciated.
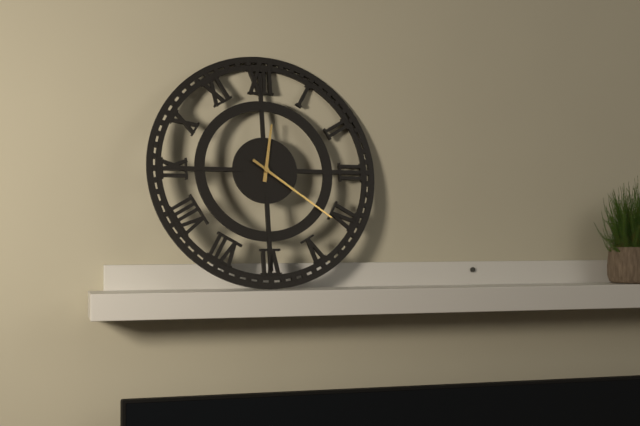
12:21
